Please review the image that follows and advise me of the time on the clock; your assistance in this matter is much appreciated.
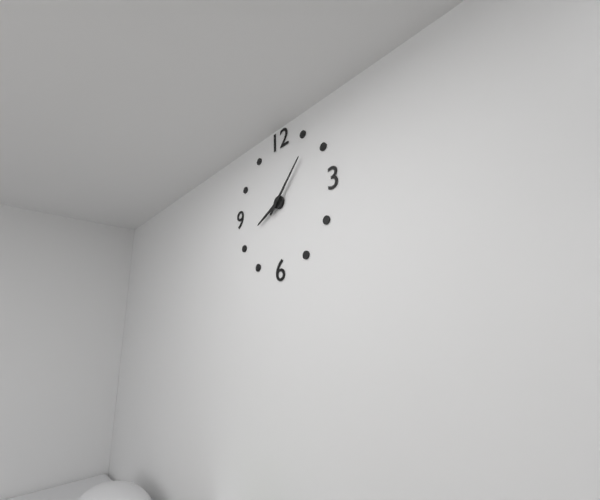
8:07
